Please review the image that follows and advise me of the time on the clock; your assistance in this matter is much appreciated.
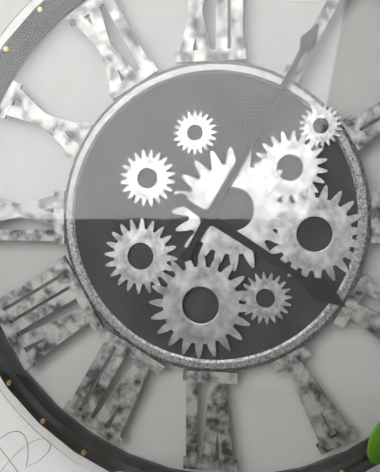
4:05
